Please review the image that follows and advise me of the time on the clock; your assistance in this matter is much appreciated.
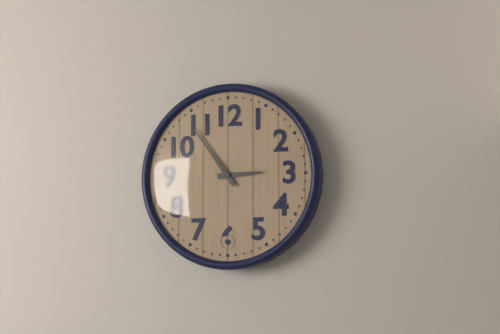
2:54
